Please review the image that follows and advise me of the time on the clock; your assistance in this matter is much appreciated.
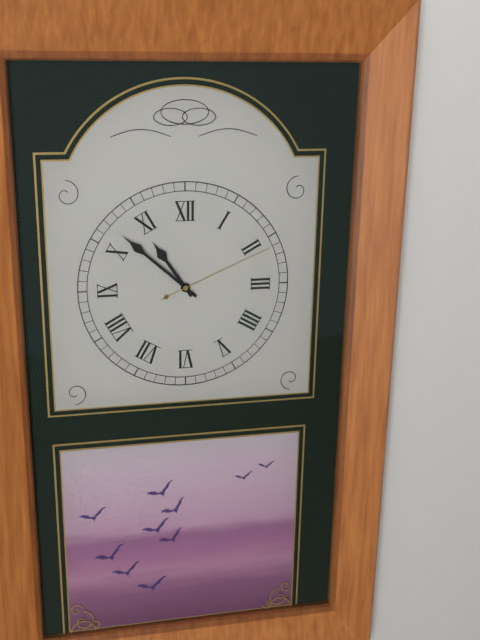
10:52:11
